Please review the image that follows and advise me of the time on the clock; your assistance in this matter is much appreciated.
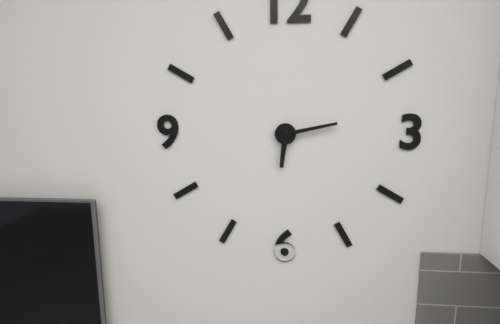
6:13
